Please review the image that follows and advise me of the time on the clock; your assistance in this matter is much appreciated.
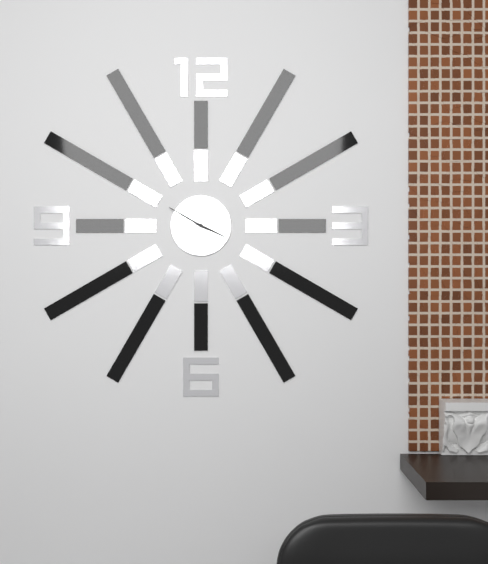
3:50
